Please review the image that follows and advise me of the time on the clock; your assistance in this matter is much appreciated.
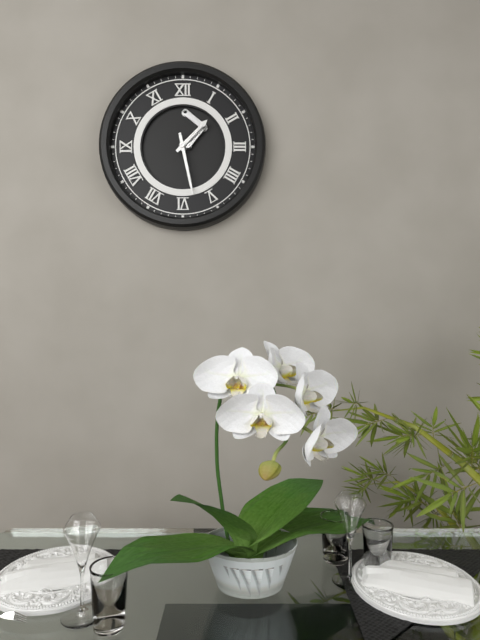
1:28
